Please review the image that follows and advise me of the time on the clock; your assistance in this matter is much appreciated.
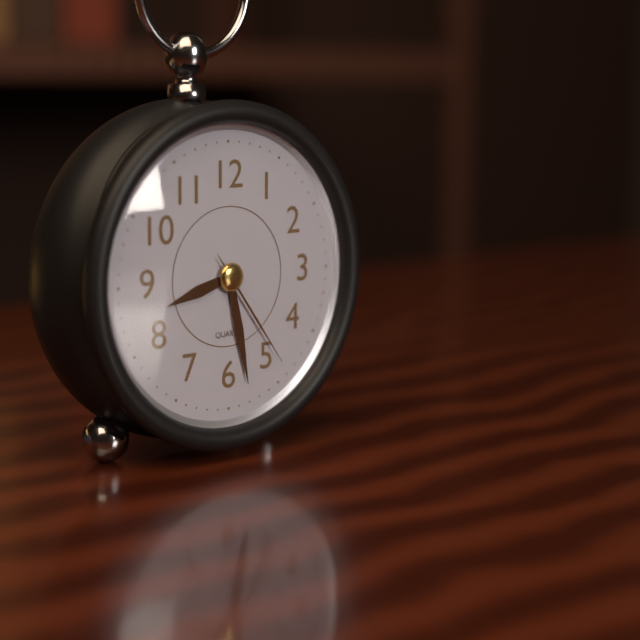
8:28:24
